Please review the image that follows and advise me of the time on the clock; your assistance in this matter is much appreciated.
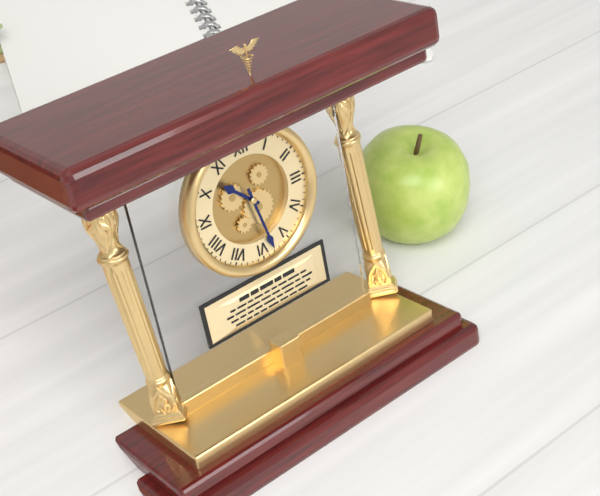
10:28
